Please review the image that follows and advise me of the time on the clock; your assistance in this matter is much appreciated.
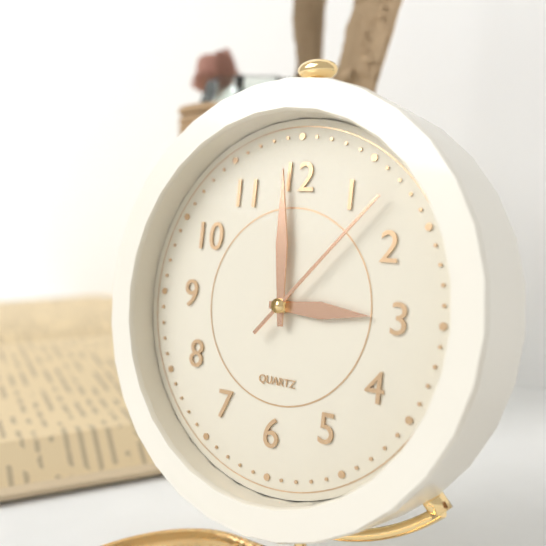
2:59:07
